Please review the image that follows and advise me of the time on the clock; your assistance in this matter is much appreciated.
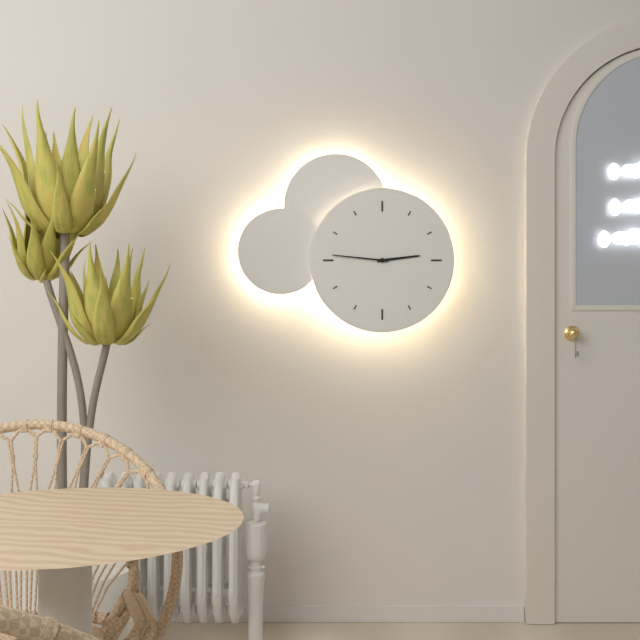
2:46
